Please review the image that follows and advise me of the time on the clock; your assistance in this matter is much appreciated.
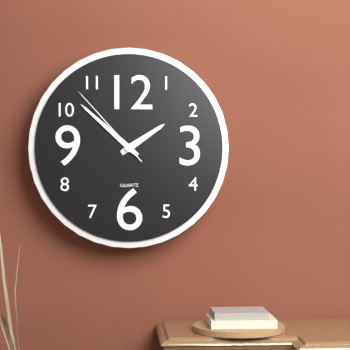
1:52:53
